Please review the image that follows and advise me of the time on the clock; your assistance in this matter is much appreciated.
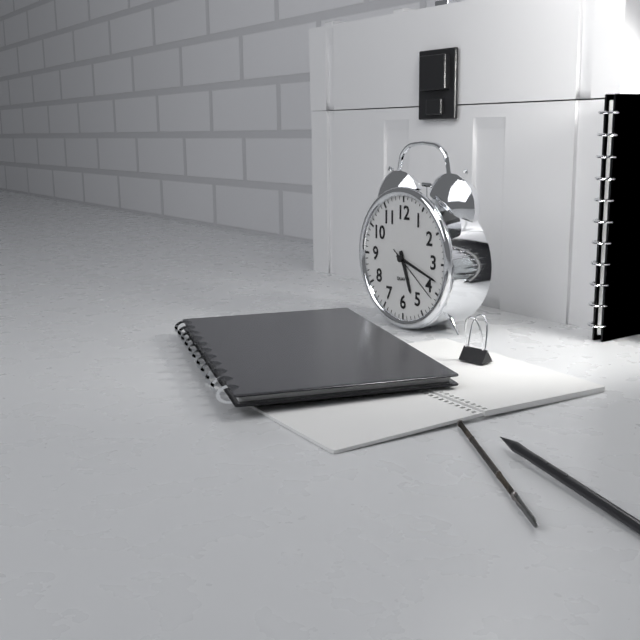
5:18:21
